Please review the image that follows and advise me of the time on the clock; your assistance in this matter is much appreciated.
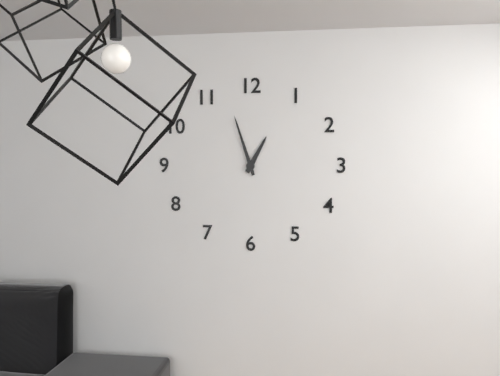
12:57
